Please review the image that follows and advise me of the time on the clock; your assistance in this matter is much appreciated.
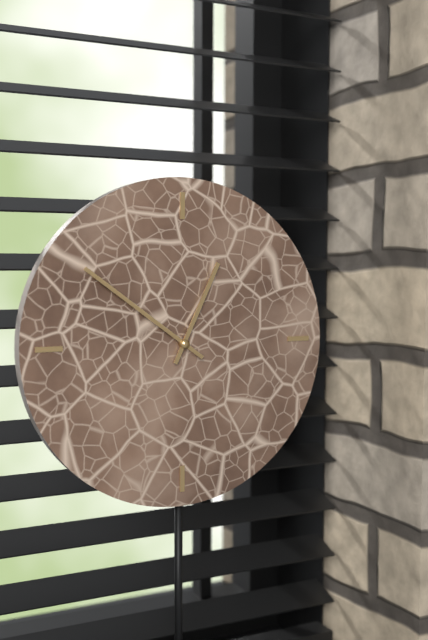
12:51
